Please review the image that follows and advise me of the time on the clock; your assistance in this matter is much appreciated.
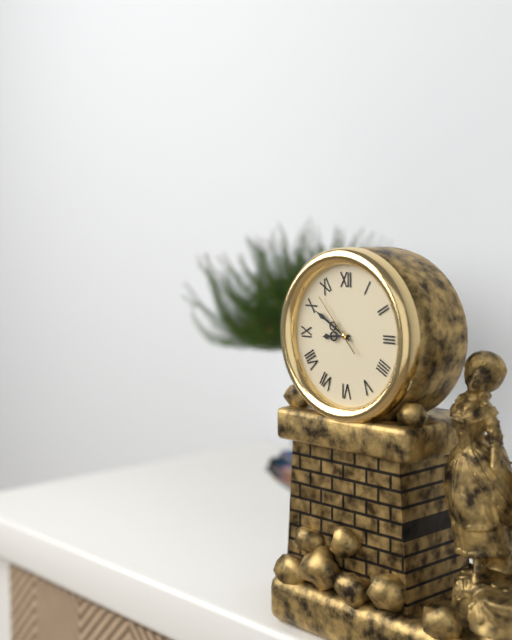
8:50:53
